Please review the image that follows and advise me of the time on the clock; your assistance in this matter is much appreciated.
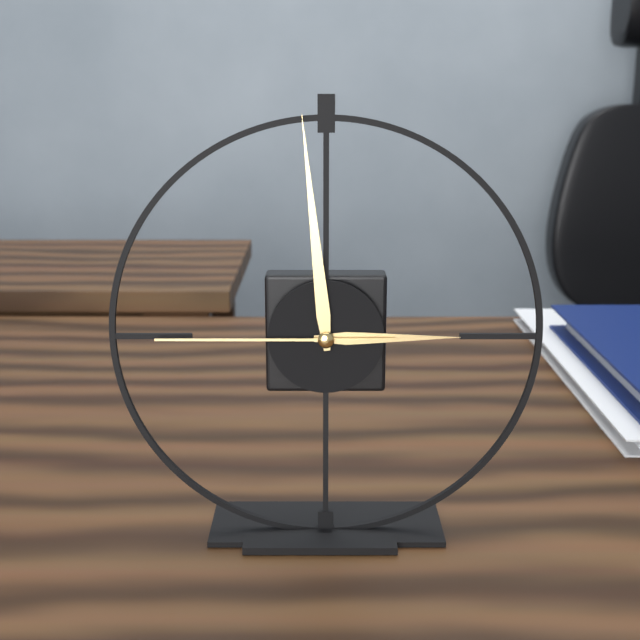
2:59:45
